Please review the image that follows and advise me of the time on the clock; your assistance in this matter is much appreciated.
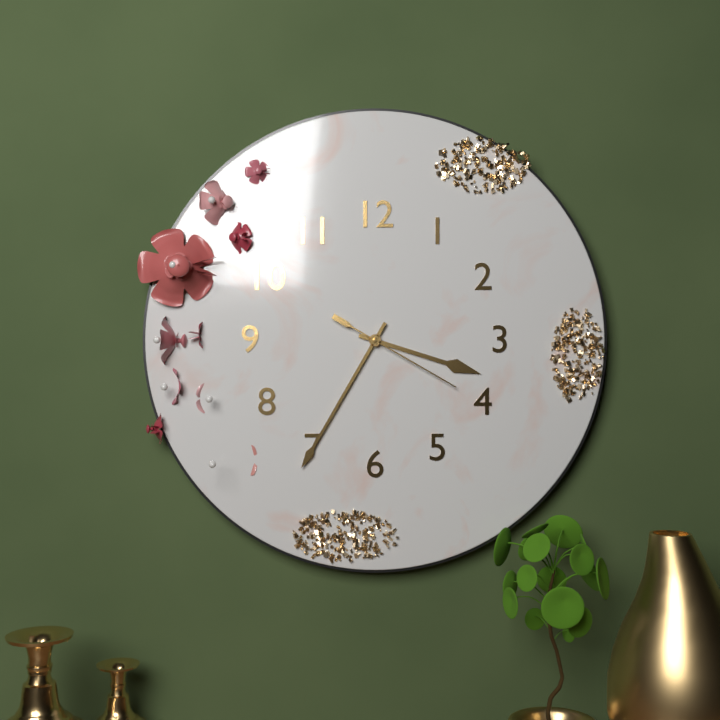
3:35:20
